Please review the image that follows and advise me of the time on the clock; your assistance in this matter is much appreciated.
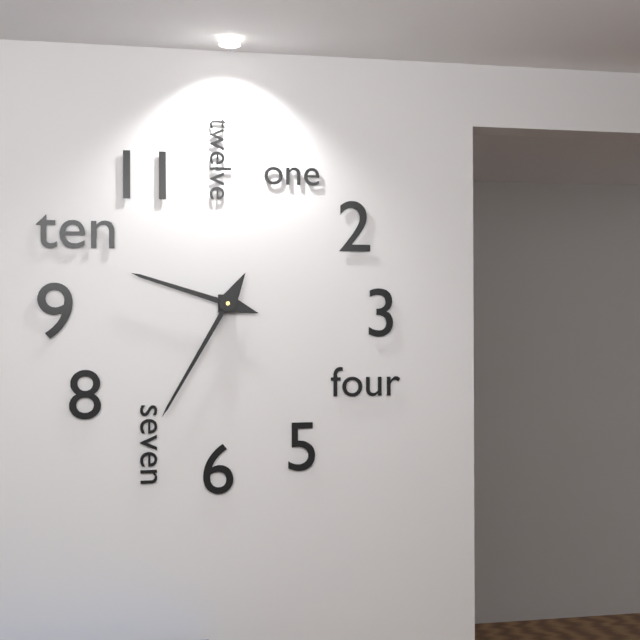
9:35
